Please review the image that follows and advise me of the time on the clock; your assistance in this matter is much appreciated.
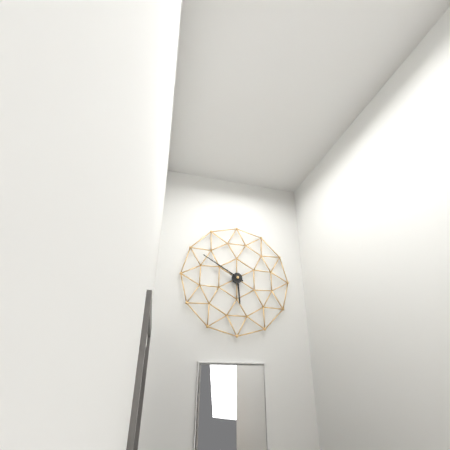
5:50
